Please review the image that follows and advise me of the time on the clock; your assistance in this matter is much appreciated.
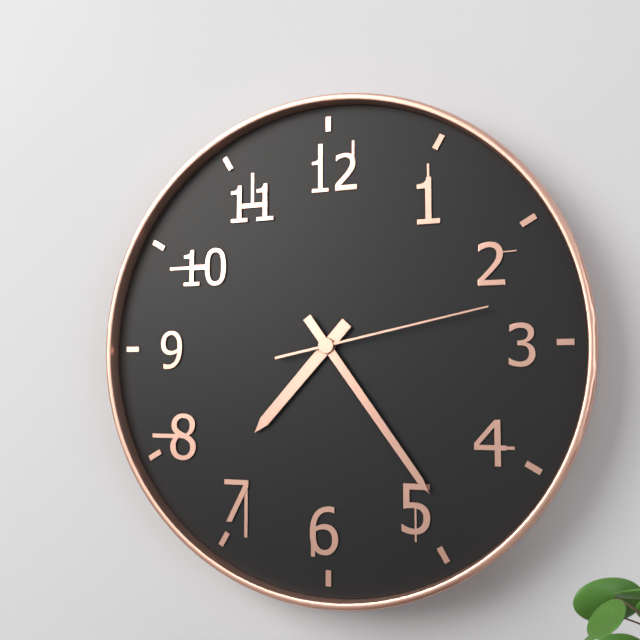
7:24:13
